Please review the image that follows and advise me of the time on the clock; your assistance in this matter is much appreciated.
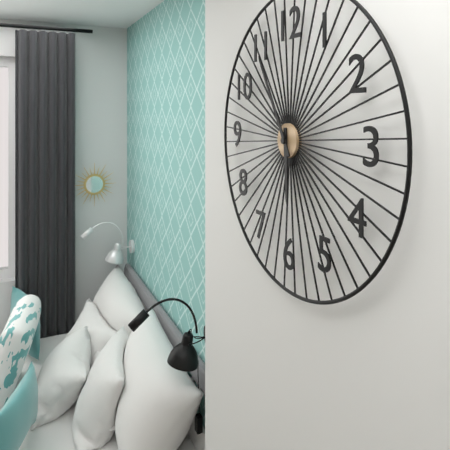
5:55
